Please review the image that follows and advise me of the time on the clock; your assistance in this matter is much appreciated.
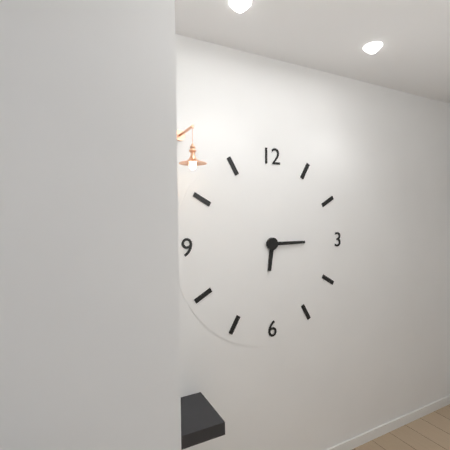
6:15
